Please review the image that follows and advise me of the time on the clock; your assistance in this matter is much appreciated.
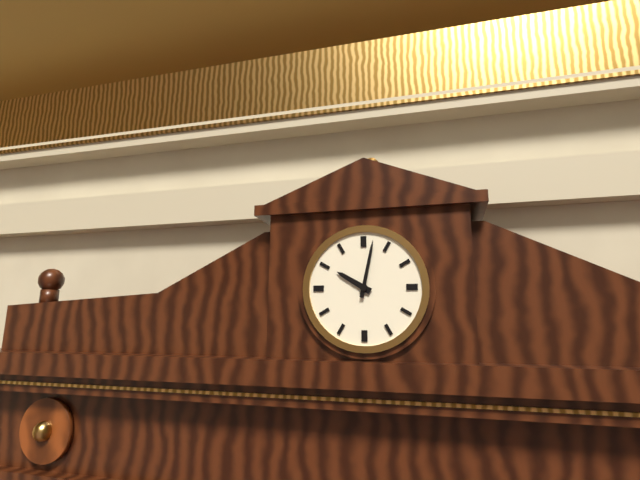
10:02
